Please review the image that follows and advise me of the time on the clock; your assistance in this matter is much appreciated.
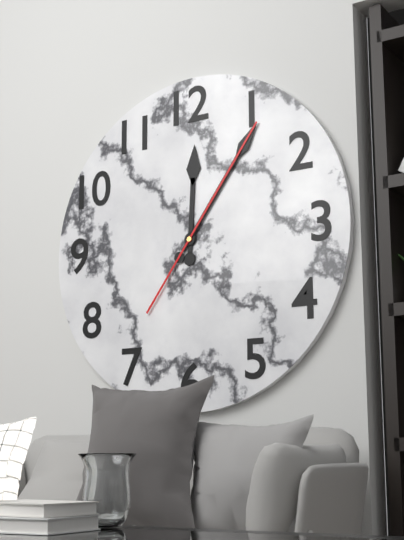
12:06:06
